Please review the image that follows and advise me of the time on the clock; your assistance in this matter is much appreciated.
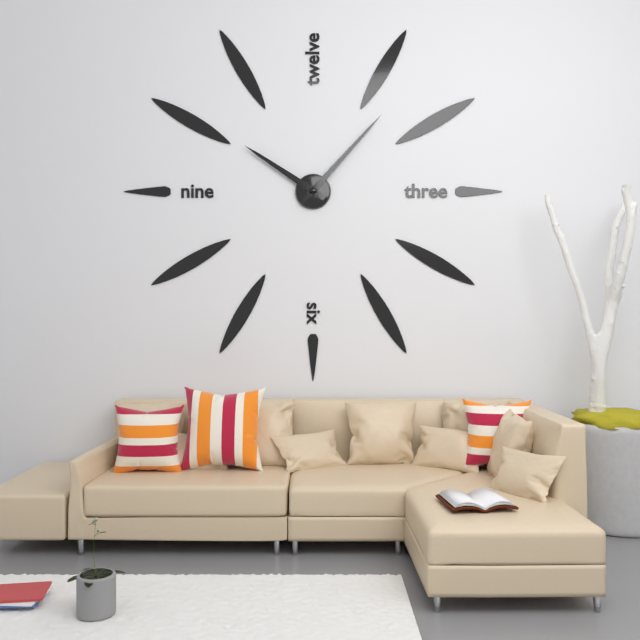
10:07
